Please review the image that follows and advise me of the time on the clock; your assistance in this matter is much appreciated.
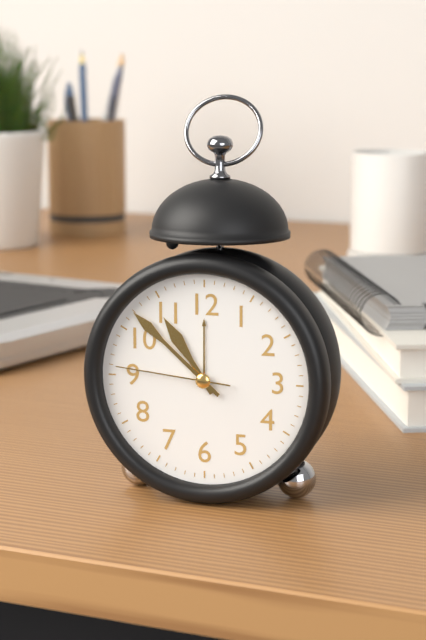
10:52:46
